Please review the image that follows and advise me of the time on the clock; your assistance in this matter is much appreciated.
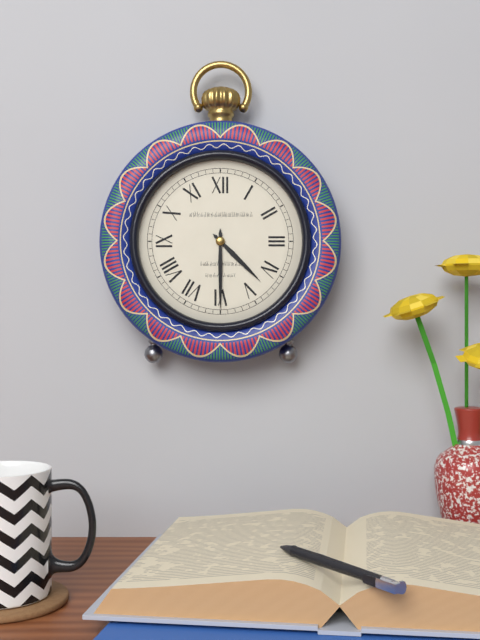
4:30
